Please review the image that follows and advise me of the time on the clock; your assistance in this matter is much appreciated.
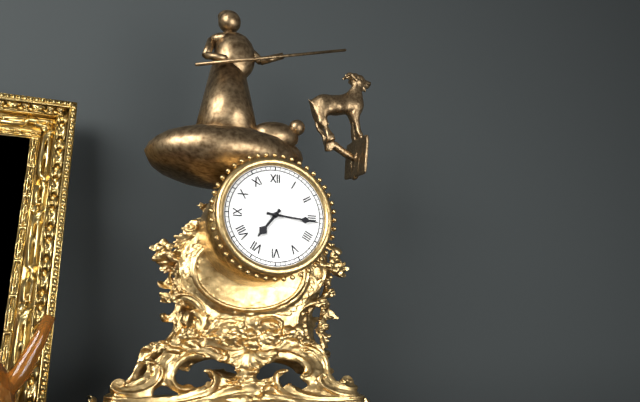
7:16
